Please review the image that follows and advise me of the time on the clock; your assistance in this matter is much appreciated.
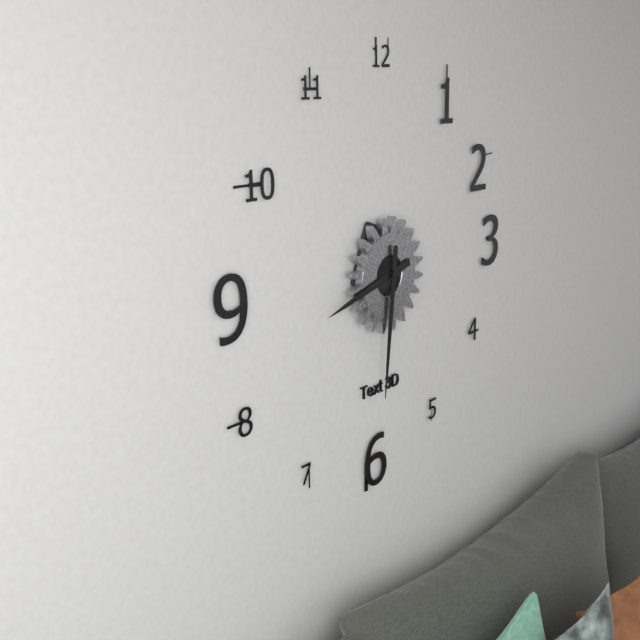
8:31
